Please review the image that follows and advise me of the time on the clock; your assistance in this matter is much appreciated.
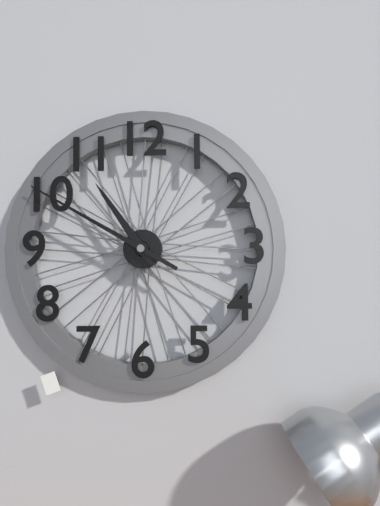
10:50
